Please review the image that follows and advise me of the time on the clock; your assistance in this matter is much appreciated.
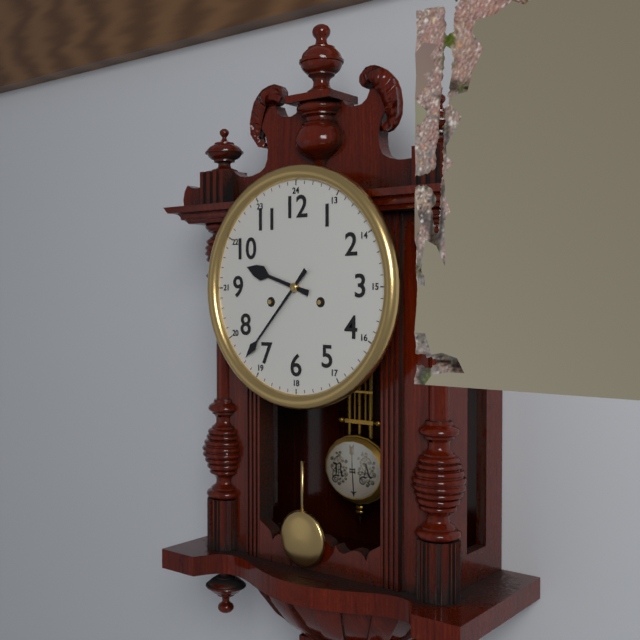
9:37
